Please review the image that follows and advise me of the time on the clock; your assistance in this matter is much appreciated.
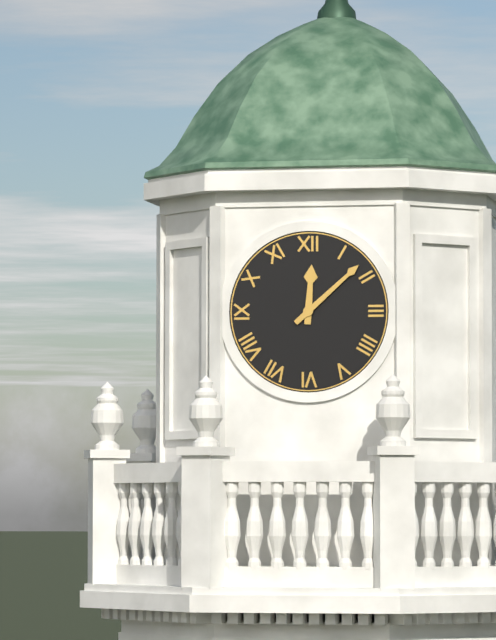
12:08
